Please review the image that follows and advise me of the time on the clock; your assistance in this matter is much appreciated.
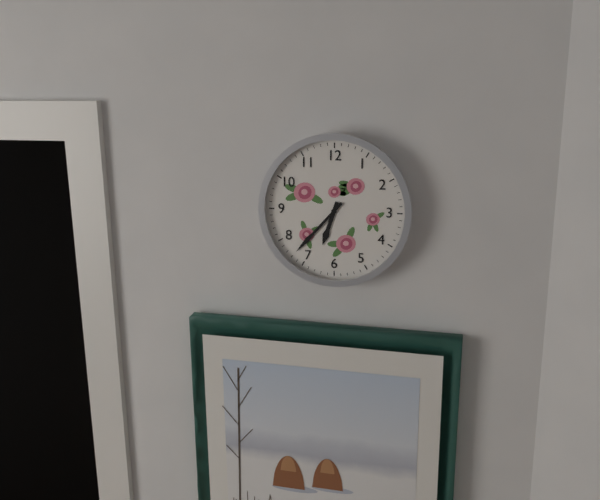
6:37
